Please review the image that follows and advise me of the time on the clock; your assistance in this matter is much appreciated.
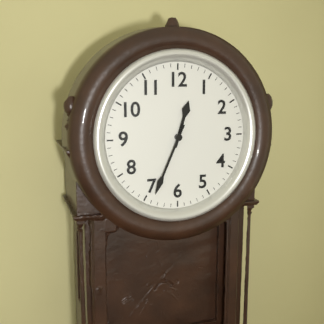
12:34
